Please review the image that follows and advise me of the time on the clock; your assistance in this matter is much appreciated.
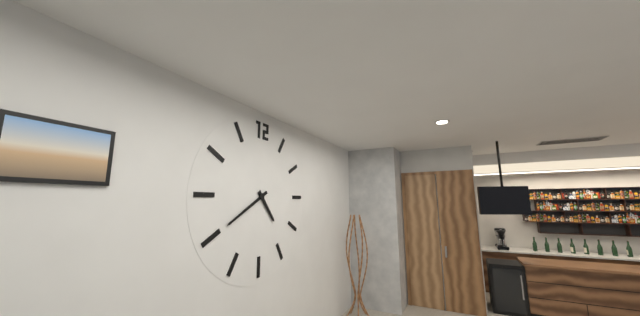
4:40
